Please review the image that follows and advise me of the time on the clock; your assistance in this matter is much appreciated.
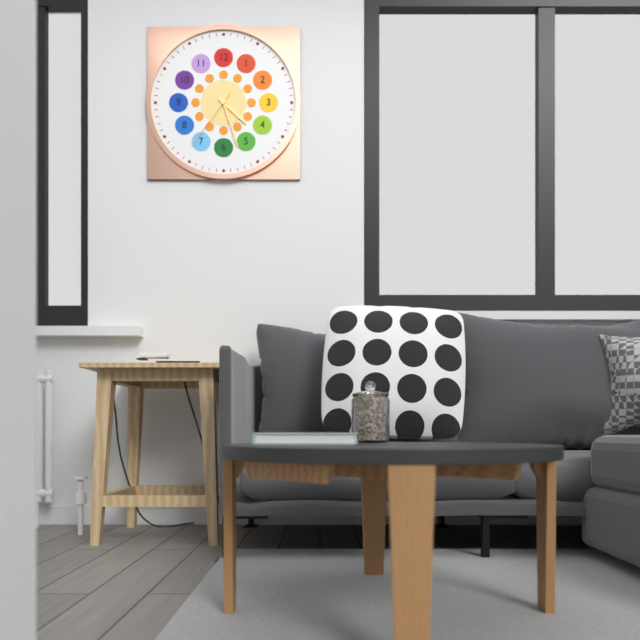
4:27:36
